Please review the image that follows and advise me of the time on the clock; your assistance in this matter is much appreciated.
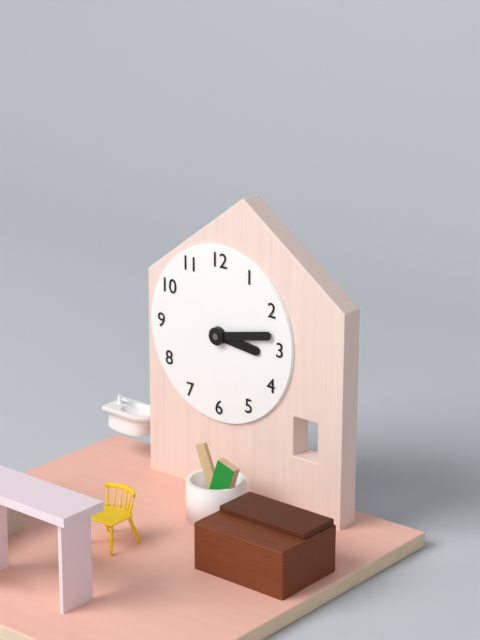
3:13
